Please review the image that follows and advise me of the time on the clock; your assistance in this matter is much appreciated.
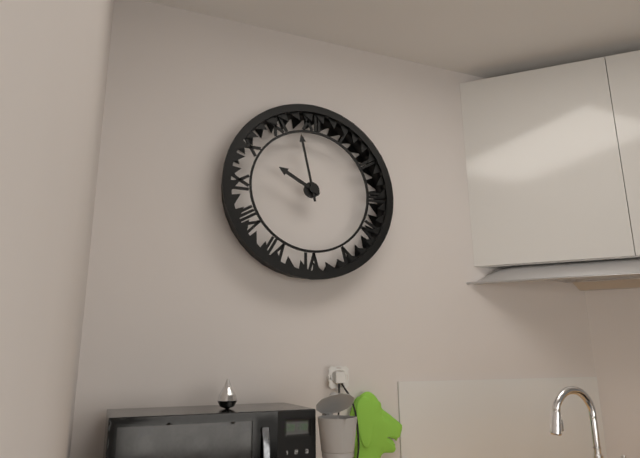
9:58
